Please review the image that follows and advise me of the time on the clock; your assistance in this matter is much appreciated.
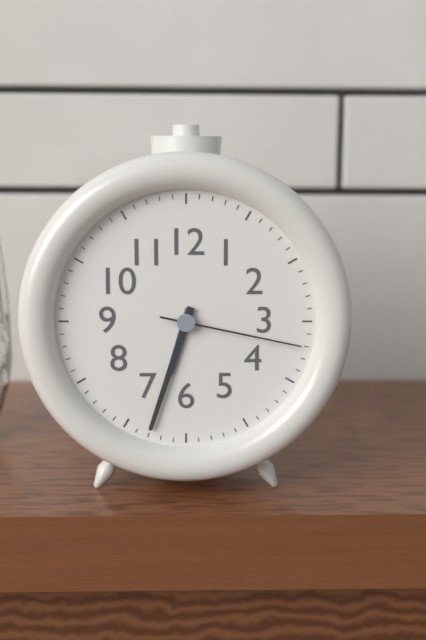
6:33:17
